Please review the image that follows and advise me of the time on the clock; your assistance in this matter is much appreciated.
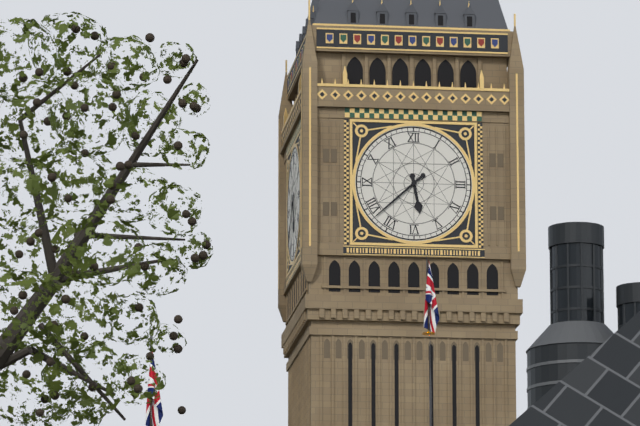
5:38
